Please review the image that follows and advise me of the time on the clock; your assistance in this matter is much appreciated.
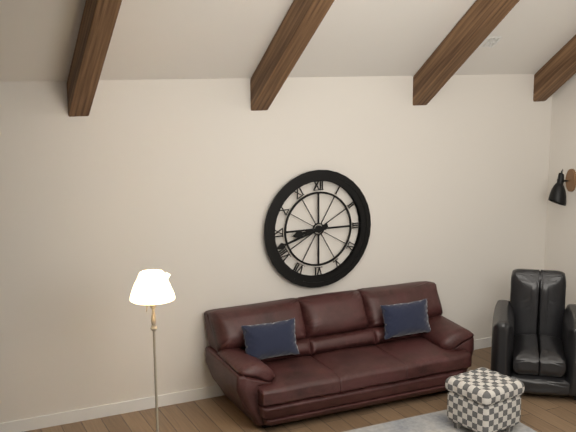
8:42
